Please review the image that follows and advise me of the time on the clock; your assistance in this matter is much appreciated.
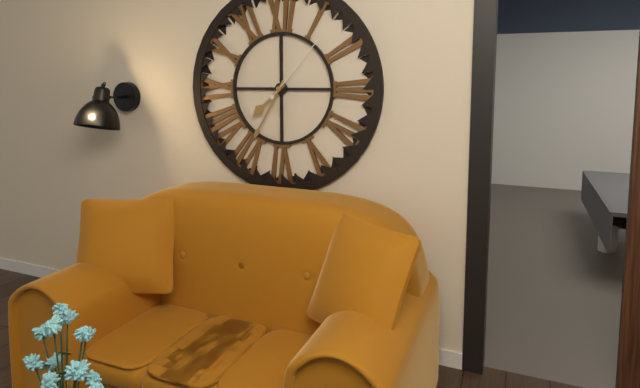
7:35:07
